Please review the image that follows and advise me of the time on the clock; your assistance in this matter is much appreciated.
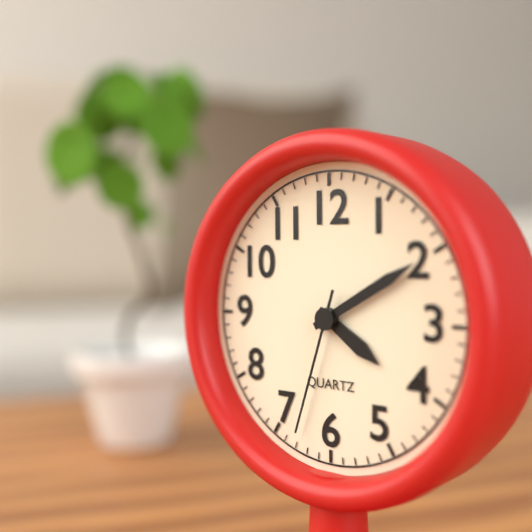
4:10:33
